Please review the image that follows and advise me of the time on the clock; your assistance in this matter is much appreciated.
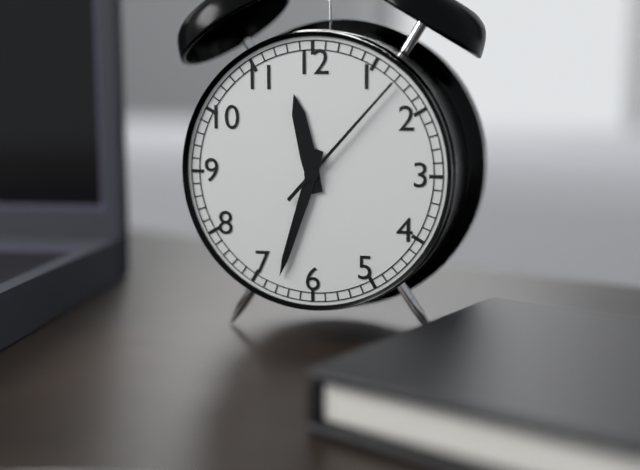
11:33:07
